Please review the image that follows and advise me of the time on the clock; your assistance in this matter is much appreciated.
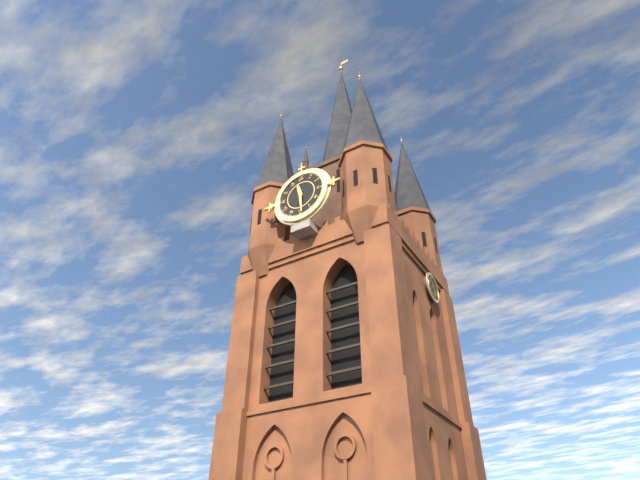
11:29
